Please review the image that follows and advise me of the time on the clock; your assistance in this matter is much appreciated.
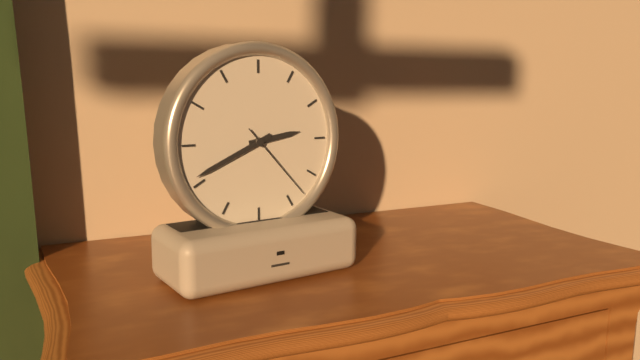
2:41:23
